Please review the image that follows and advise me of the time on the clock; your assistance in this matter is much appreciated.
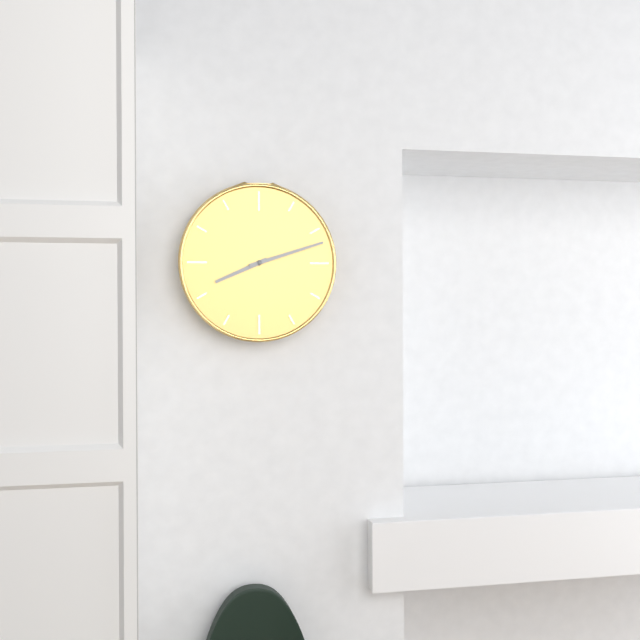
8:12
